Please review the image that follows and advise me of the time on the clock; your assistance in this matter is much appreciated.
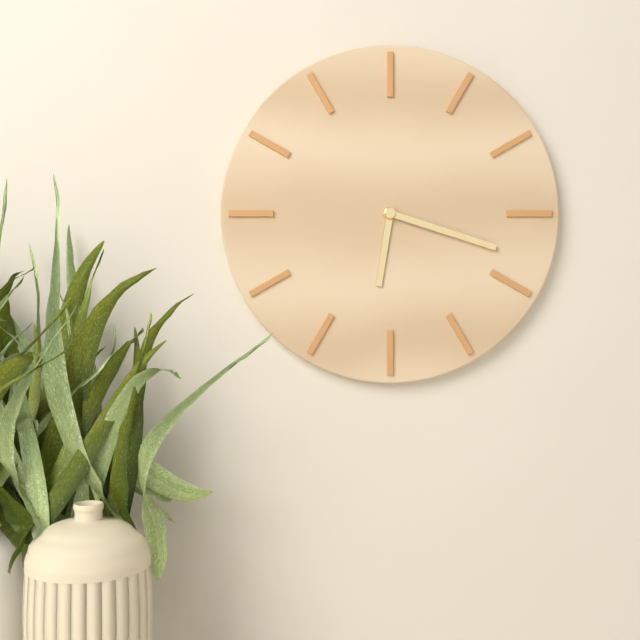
6:18
